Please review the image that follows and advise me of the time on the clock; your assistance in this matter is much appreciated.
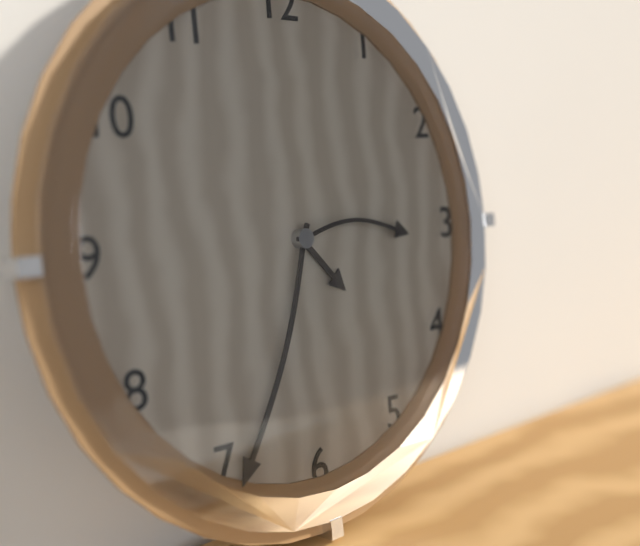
4:34:15
